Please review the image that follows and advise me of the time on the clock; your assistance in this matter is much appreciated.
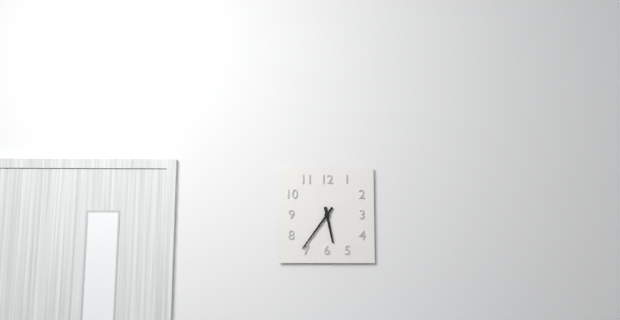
5:36
